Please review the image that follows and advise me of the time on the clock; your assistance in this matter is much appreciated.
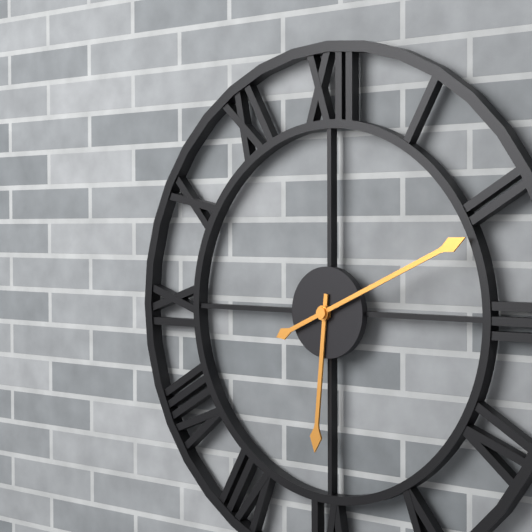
6:11
